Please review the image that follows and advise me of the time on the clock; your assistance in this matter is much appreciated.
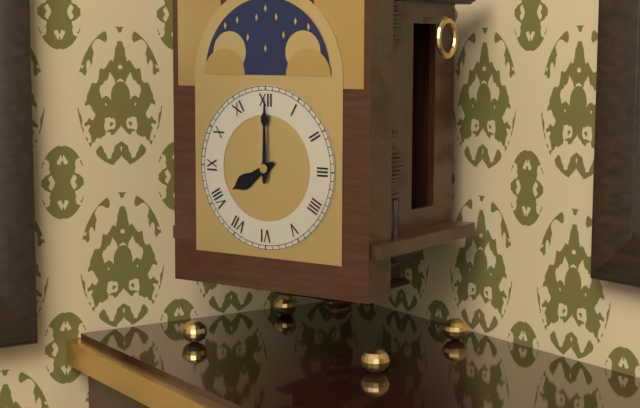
8:00
